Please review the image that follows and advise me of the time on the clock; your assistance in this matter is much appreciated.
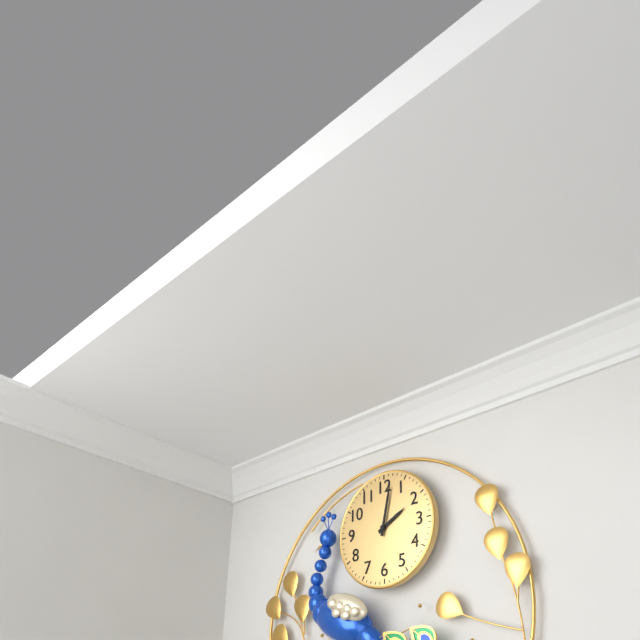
2:02
